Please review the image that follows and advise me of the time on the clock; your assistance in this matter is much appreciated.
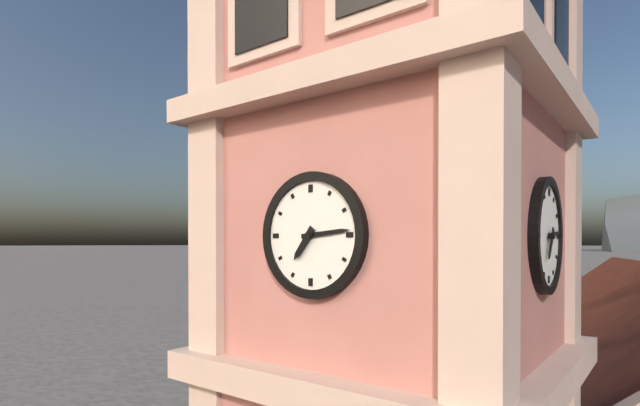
7:14
